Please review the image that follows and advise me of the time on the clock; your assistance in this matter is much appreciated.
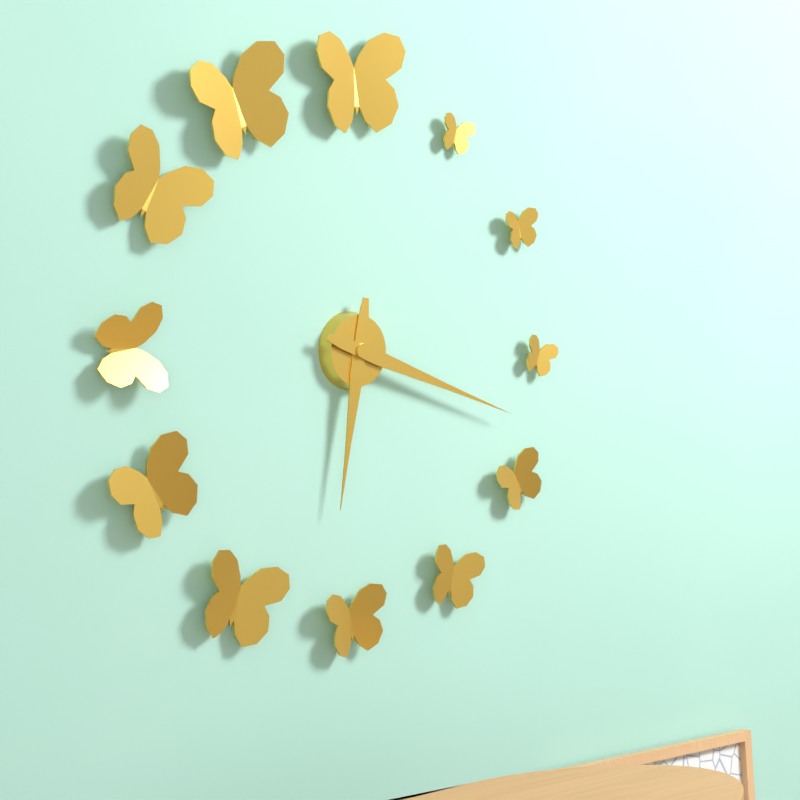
6:18
